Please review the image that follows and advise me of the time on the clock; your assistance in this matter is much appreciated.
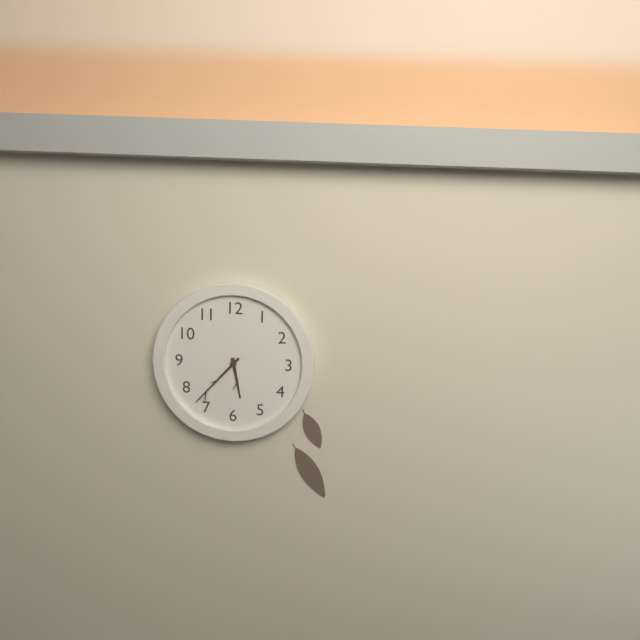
5:37
